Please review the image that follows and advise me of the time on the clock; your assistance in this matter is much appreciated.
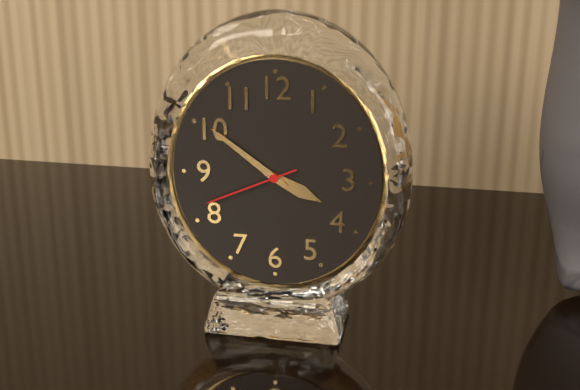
3:51:41
